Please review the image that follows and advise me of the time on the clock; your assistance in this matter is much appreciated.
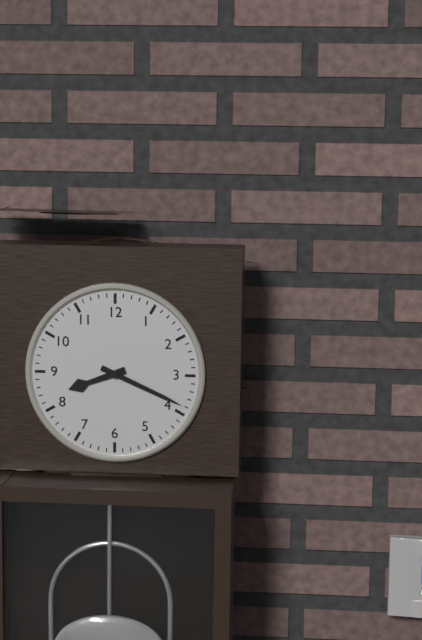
8:19
